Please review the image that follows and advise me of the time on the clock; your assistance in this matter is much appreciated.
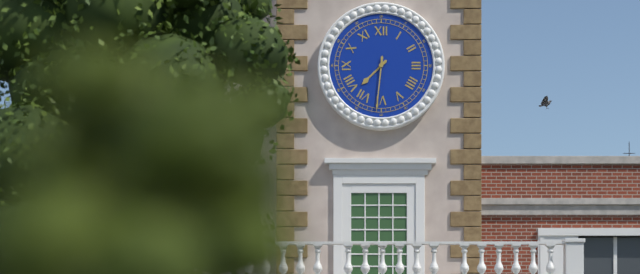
7:31
